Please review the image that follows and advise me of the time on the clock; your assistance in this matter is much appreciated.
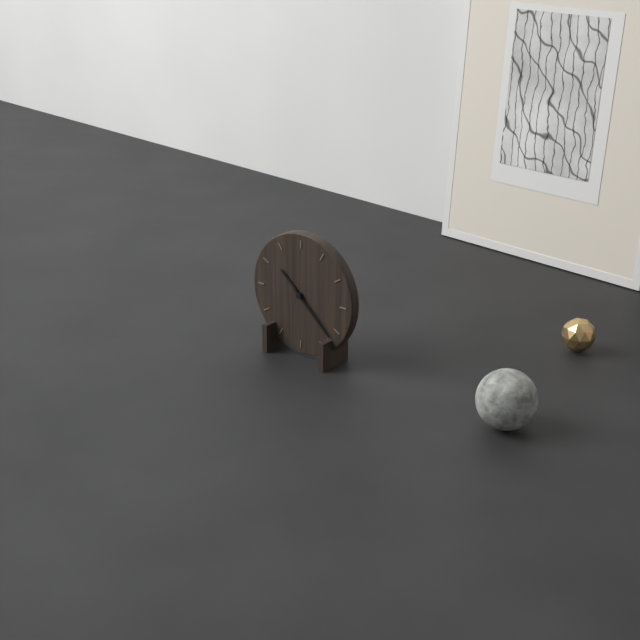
10:22
